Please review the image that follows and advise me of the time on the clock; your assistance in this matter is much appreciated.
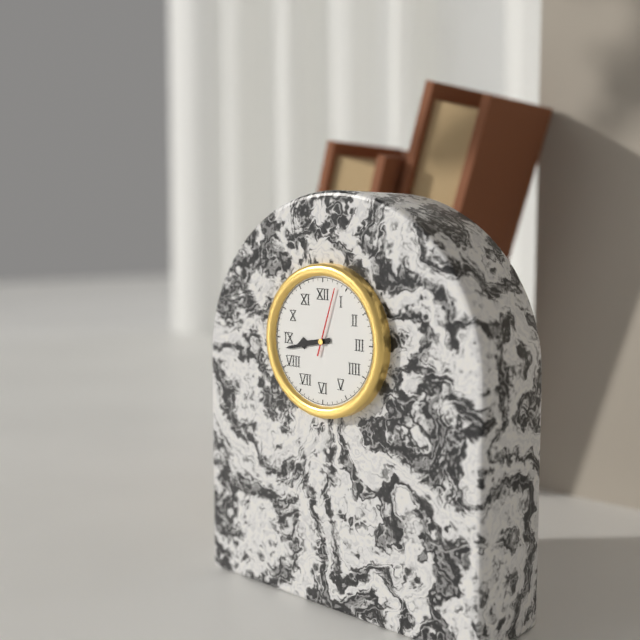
8:43:03
